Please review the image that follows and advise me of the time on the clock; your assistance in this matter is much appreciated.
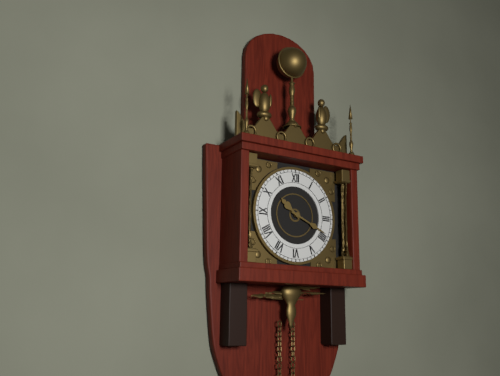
10:19
